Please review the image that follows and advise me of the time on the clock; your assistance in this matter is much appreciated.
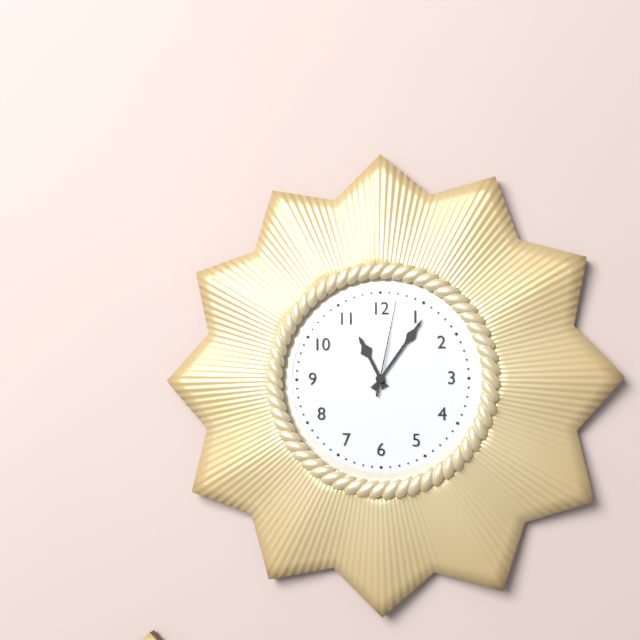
11:06:02
